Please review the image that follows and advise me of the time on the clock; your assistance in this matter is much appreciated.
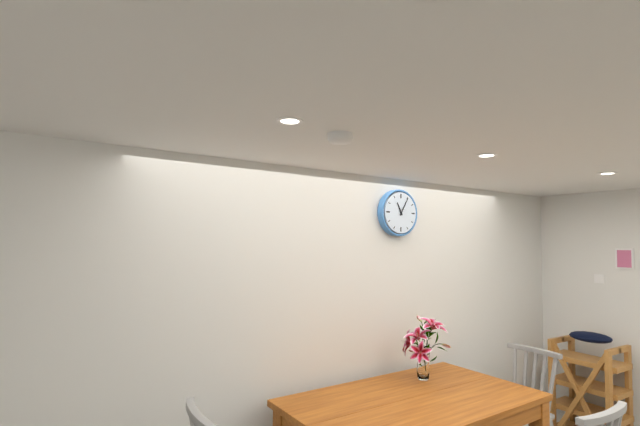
11:05
